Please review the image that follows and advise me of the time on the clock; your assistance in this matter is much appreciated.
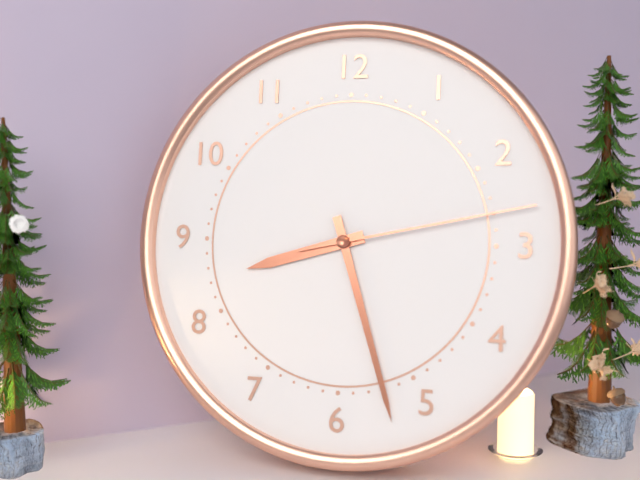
8:27:13
